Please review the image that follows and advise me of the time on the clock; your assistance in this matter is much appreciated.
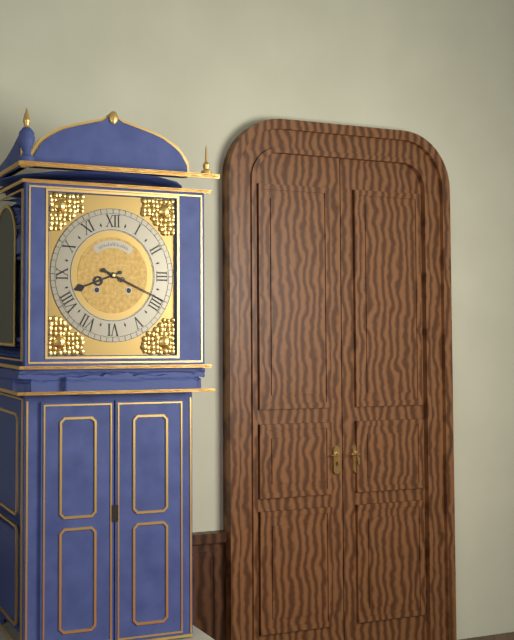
8:19
